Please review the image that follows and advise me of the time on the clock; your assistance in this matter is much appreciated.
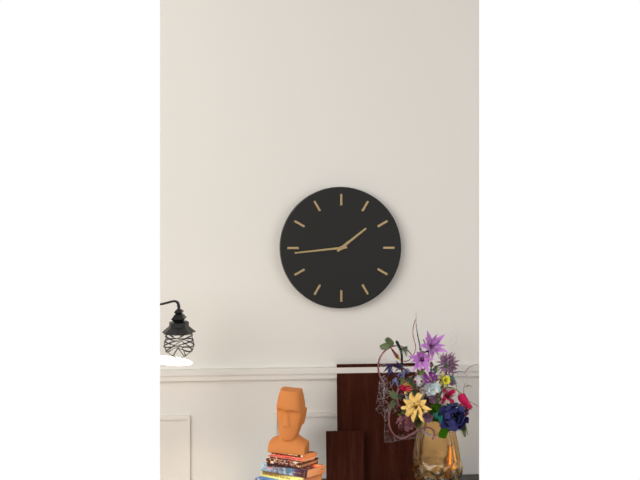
1:44
